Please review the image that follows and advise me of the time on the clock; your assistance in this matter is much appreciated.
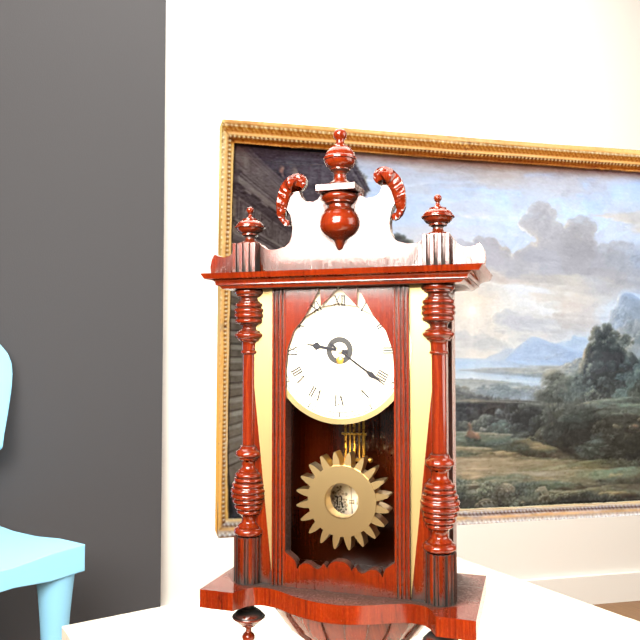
9:21
